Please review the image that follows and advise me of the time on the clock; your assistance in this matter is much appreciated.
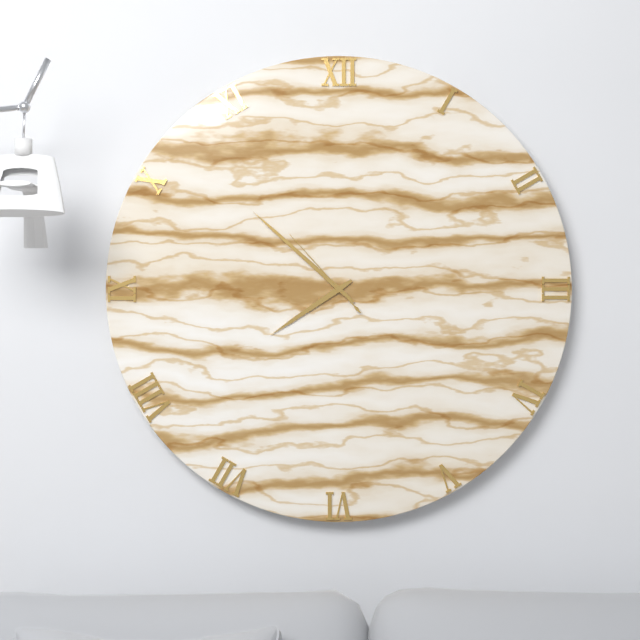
7:52:53
